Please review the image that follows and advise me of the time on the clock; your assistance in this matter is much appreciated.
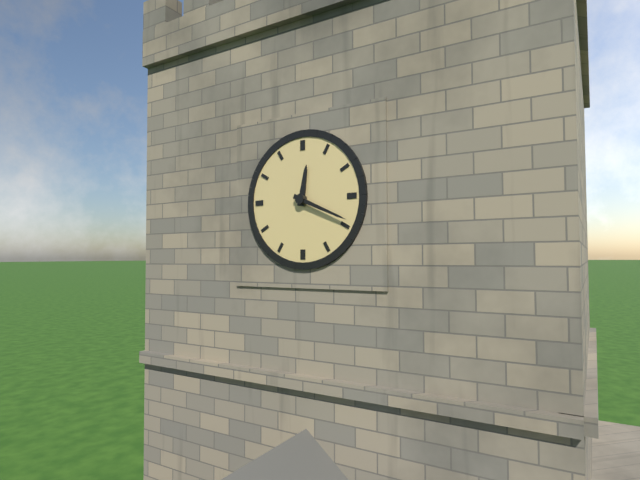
12:19
